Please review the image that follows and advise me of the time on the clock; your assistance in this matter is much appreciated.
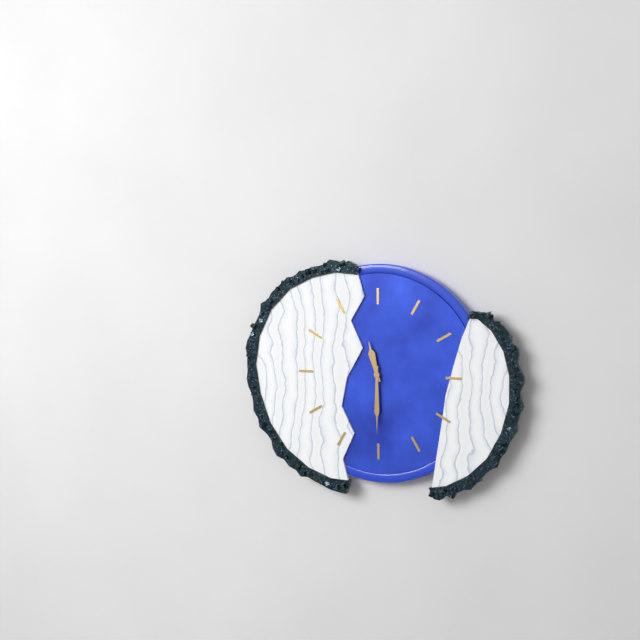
11:30
